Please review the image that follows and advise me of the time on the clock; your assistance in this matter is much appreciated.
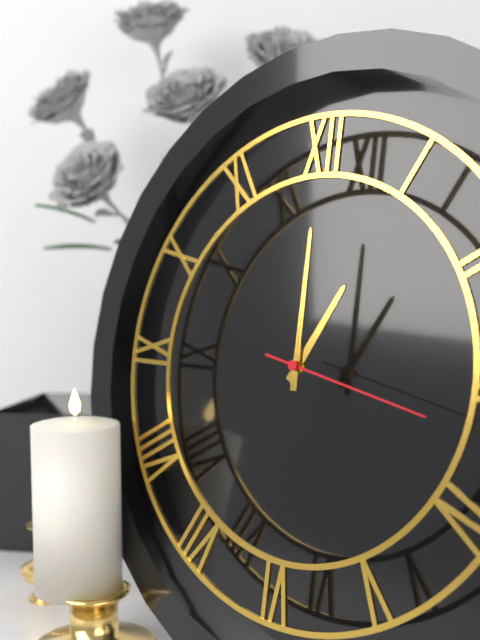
1:00:17
